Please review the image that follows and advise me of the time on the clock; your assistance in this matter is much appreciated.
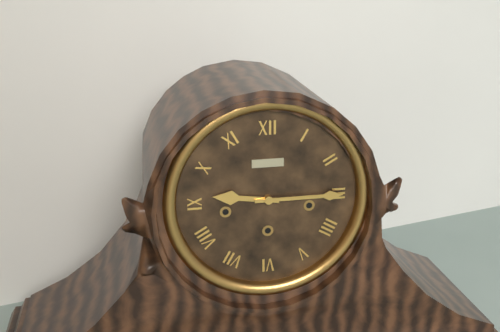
9:15
